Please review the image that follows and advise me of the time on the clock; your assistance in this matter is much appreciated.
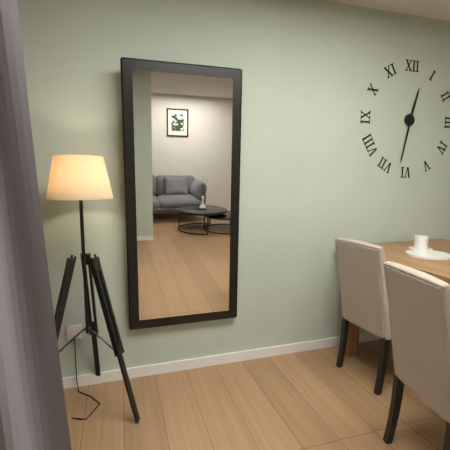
12:32
